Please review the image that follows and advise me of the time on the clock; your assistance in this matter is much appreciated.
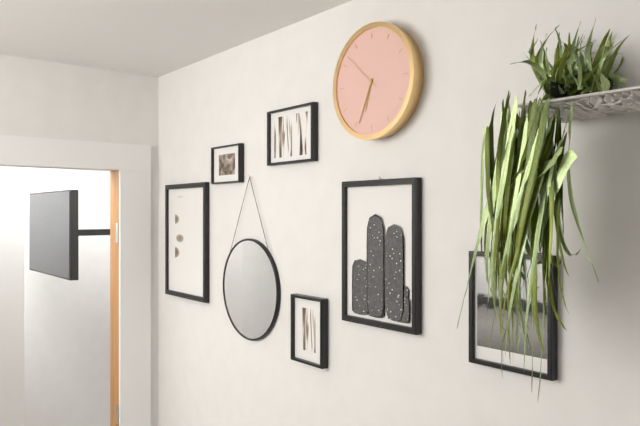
6:34
